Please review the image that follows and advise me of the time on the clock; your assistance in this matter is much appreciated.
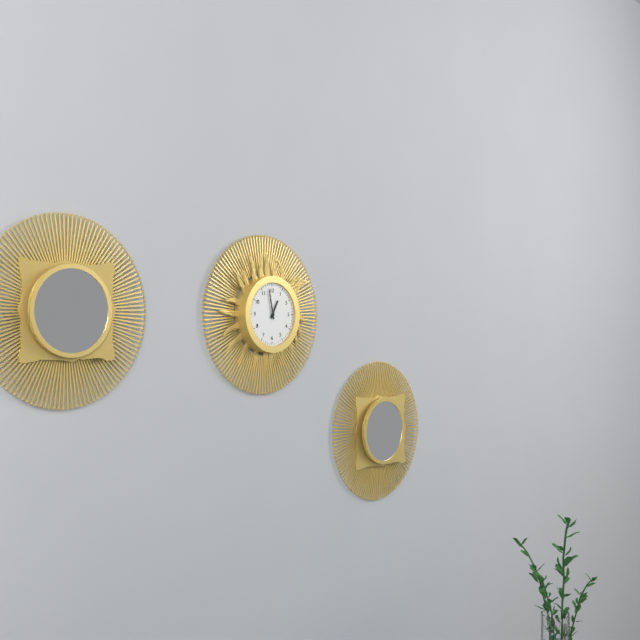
12:58
